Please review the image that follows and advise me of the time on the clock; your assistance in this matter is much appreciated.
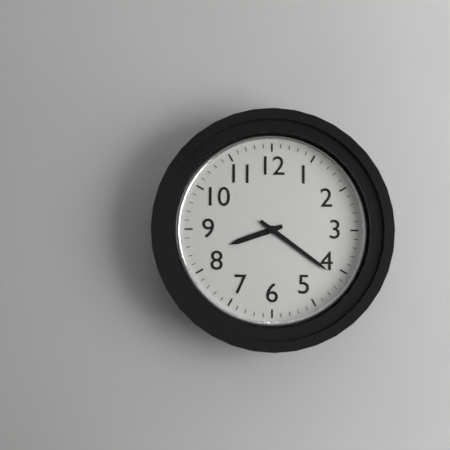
8:21
